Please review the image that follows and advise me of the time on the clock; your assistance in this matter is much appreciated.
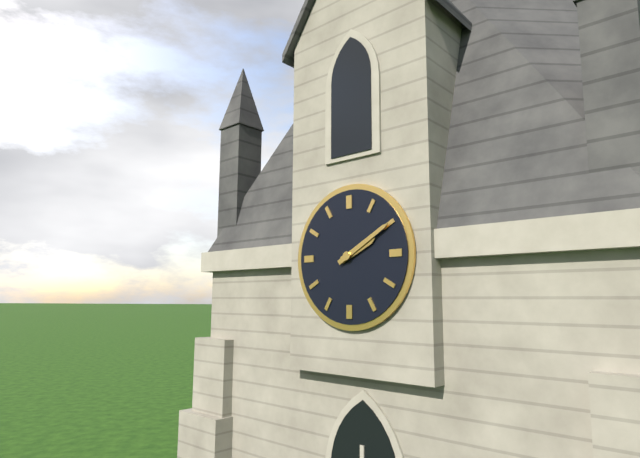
2:10
